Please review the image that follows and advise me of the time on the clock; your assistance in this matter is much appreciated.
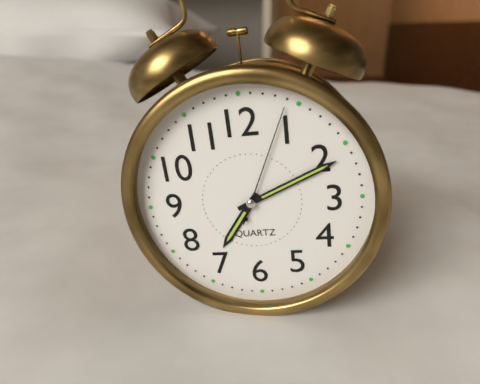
7:11:04
